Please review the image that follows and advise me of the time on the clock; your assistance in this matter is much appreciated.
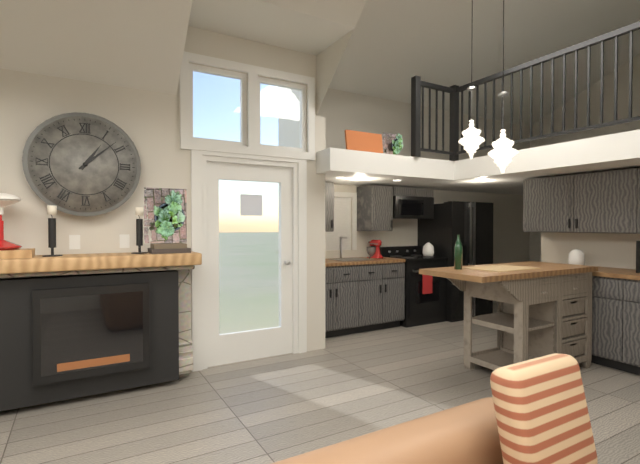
1:08
